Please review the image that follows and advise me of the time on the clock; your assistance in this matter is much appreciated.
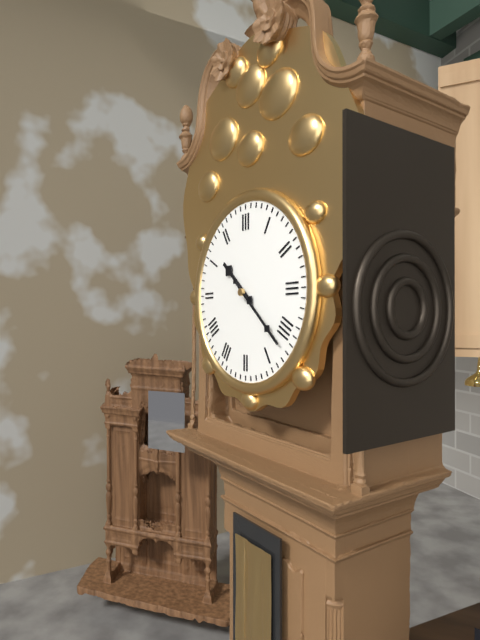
10:22
